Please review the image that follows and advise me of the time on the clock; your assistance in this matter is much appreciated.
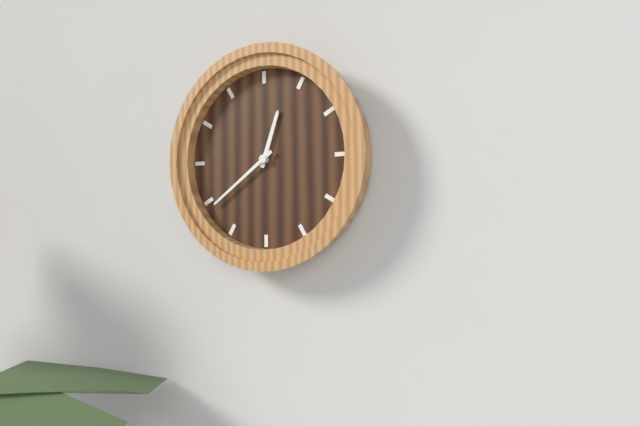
12:39
